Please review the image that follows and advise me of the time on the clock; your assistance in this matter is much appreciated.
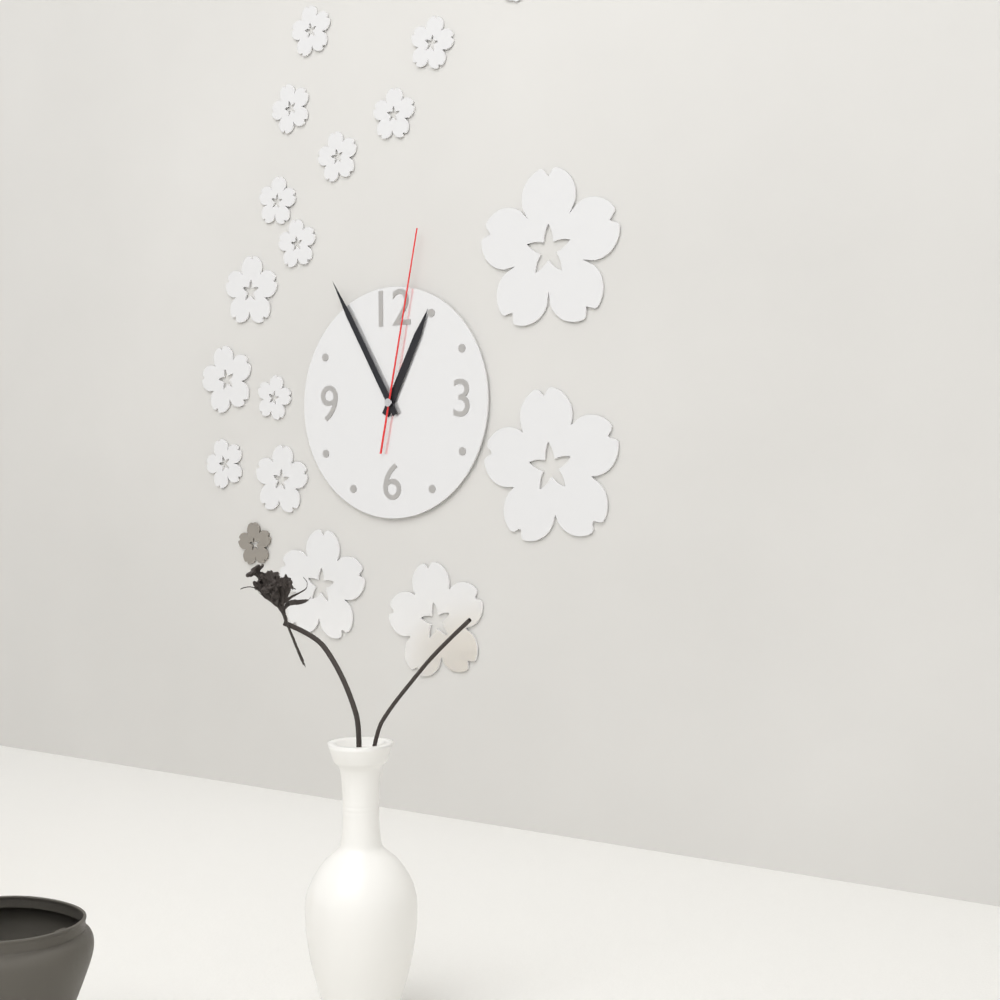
12:55:02
